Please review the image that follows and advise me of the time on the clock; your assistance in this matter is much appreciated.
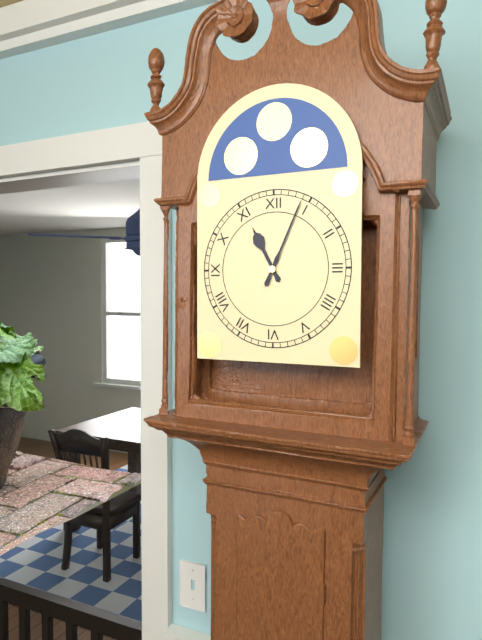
11:04
